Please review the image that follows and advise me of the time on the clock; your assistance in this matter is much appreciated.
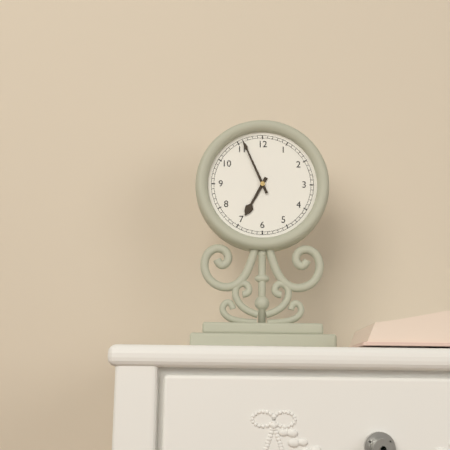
6:56
